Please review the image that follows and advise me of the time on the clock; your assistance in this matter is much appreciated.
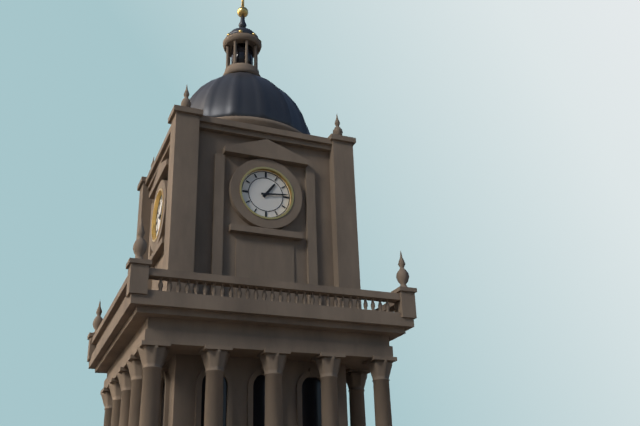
1:14
